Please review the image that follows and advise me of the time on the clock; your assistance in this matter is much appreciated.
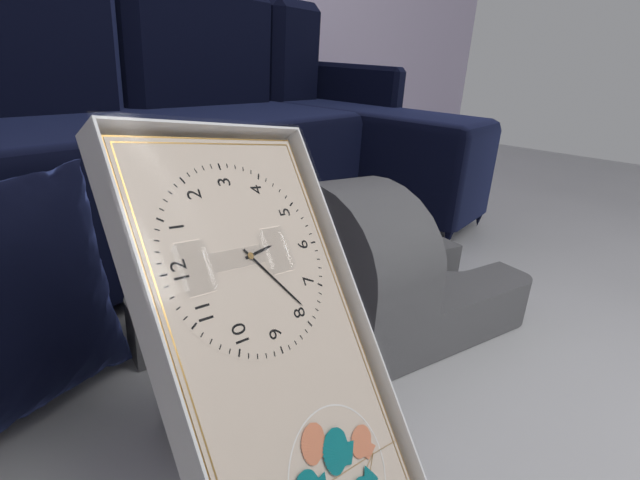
5:39
